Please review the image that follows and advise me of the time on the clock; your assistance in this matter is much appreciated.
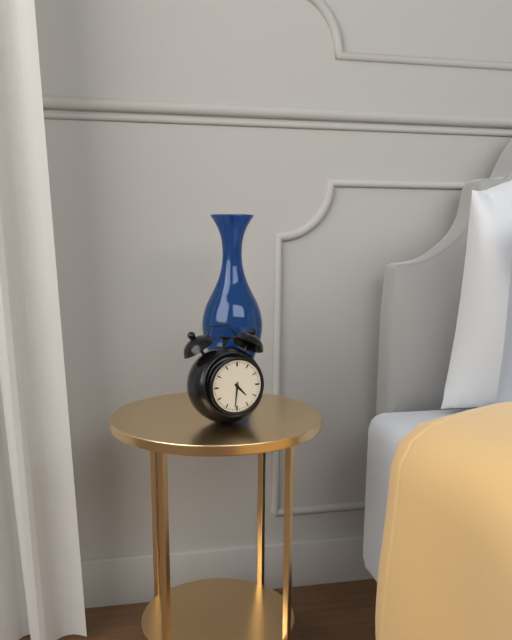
4:31
